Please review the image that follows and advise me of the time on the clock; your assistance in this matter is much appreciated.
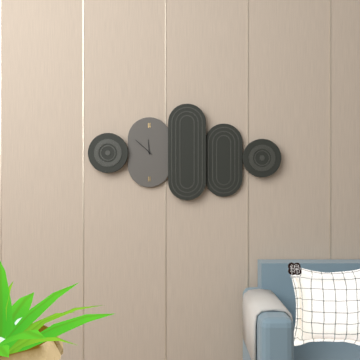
11:52
